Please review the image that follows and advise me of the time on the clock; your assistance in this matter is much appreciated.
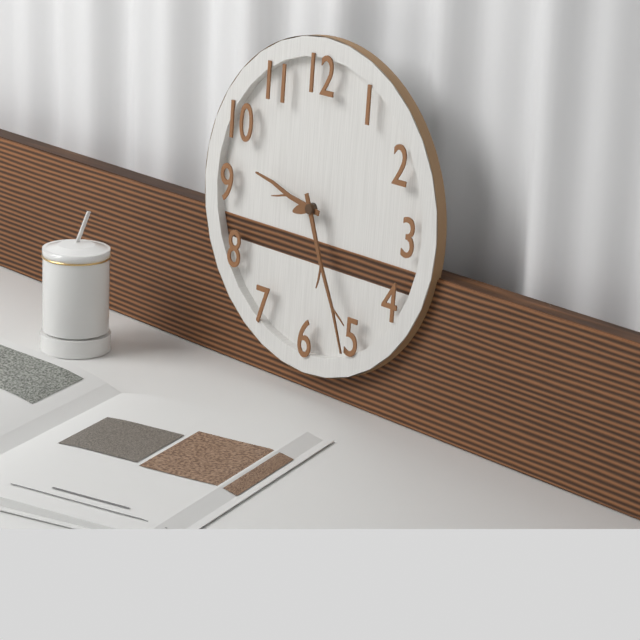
9:26
